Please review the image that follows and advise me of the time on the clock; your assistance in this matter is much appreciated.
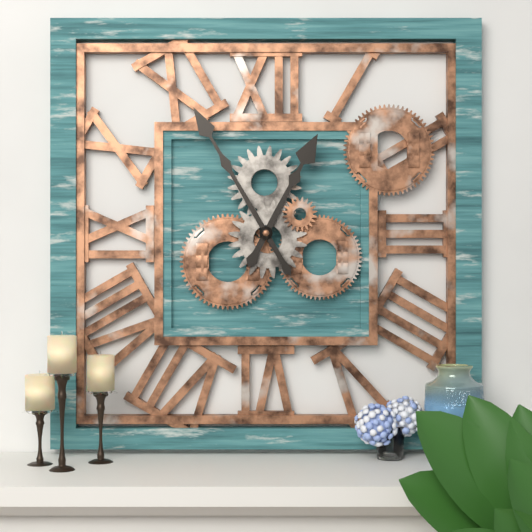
12:55
